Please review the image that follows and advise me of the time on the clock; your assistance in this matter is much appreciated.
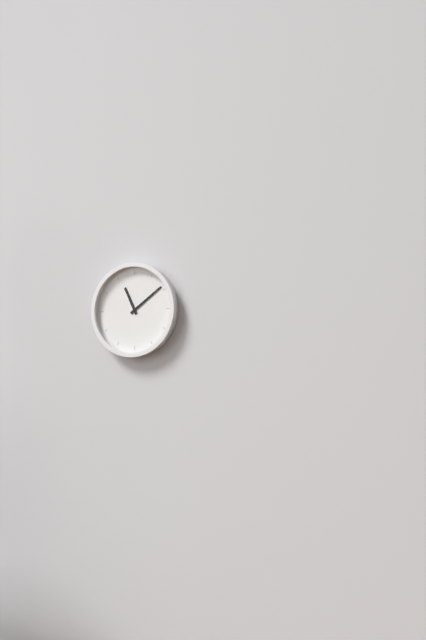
11:09
